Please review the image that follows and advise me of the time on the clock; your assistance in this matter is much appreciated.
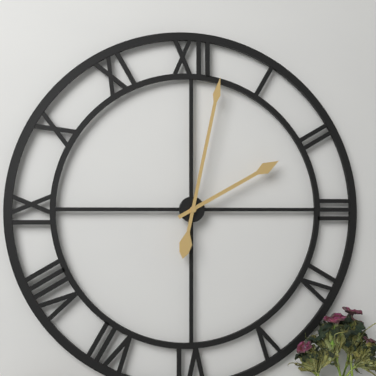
2:02
